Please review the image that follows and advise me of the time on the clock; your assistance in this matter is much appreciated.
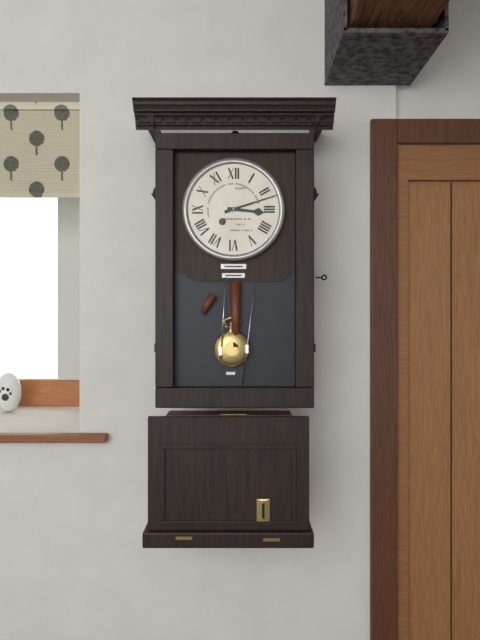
3:12
